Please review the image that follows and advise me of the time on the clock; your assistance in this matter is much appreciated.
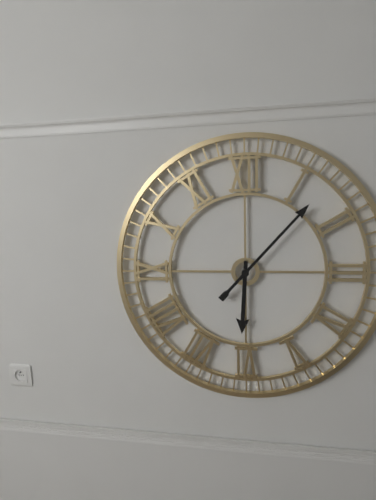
6:07
